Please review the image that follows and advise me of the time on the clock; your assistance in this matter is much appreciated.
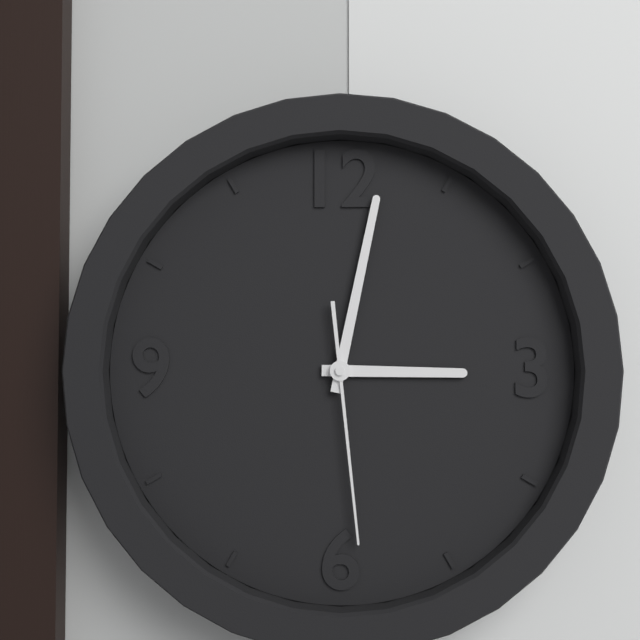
3:02:29
